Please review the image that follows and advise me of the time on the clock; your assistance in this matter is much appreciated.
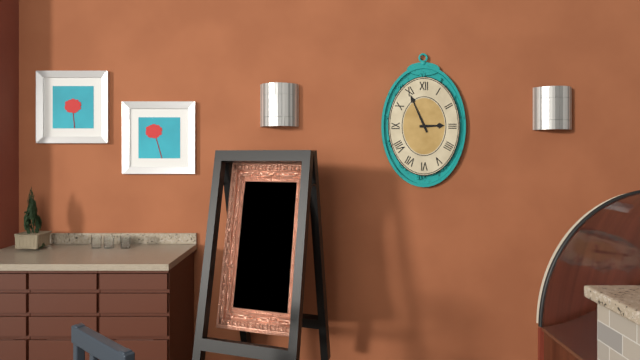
2:56
